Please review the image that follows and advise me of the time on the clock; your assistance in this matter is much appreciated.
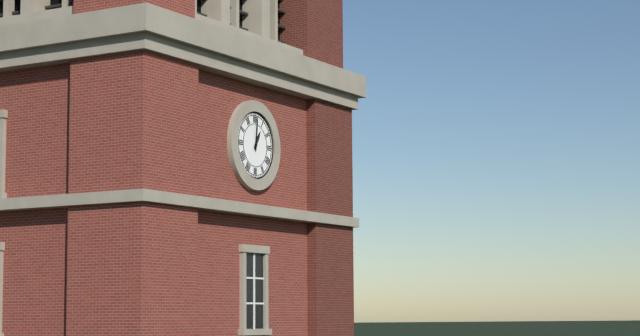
1:01
